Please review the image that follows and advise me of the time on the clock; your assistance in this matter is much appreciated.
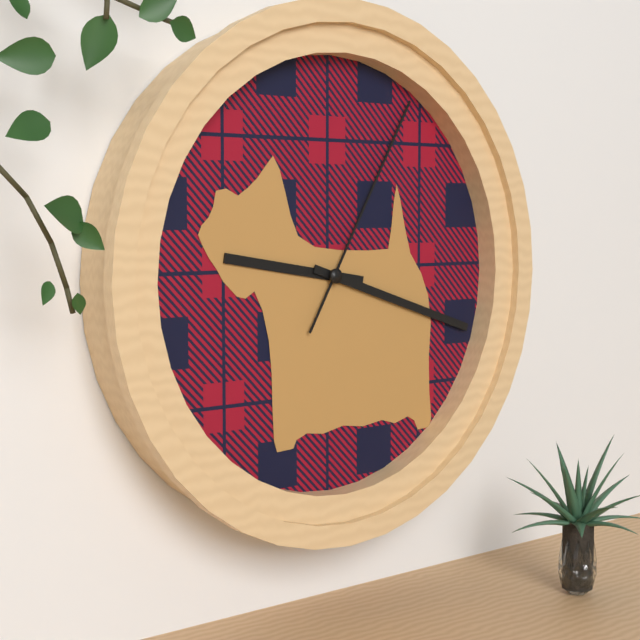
9:18:05
